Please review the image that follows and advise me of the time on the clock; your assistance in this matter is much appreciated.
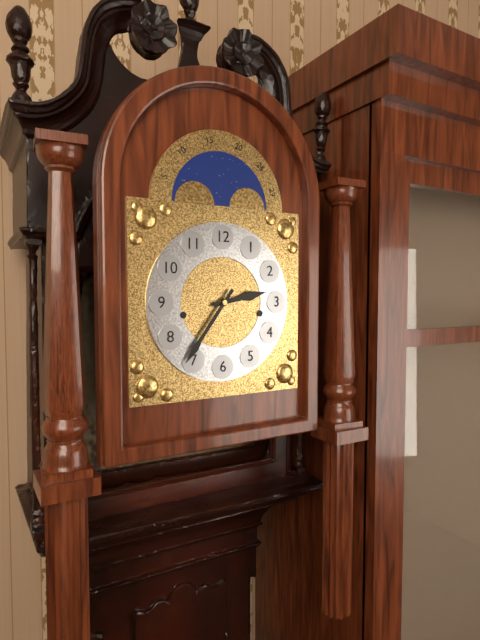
2:36
